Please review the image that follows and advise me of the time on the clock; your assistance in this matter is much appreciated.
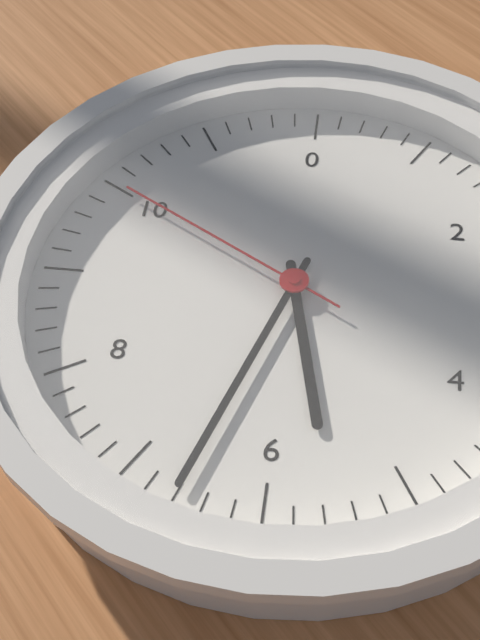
5:33:50
